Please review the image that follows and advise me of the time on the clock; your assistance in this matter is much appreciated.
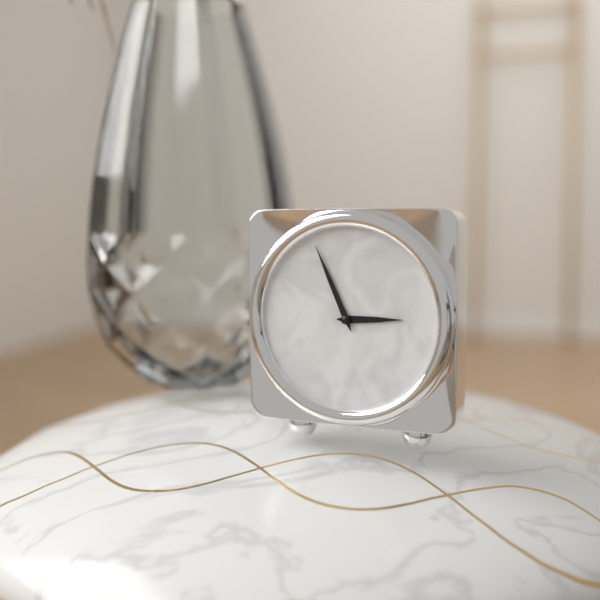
2:56
